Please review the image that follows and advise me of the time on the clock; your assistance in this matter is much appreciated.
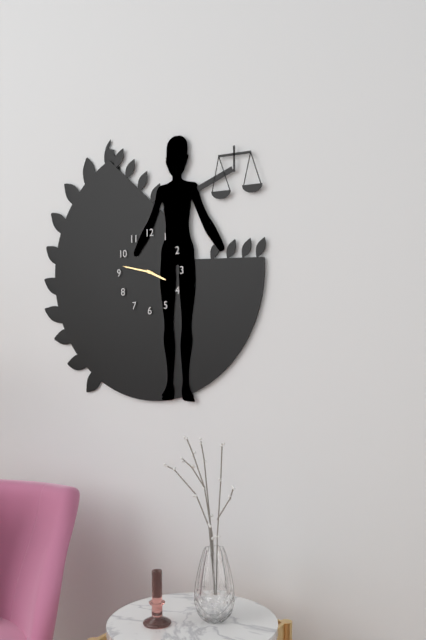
3:47
